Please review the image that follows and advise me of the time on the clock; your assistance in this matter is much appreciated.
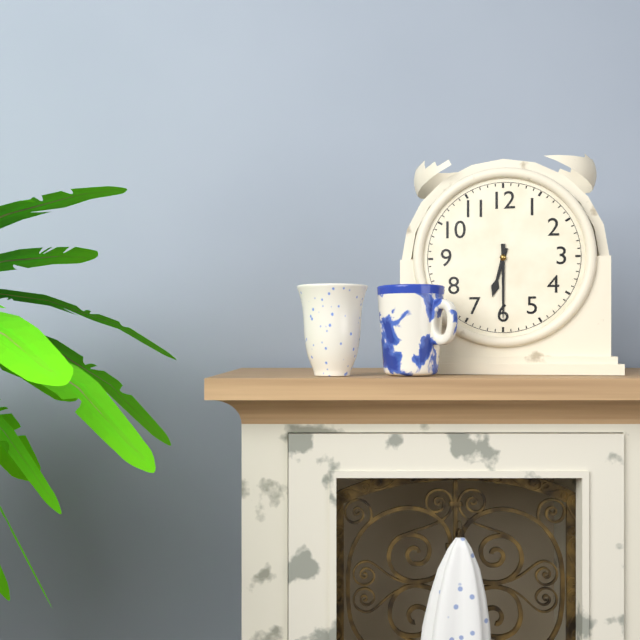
6:30
